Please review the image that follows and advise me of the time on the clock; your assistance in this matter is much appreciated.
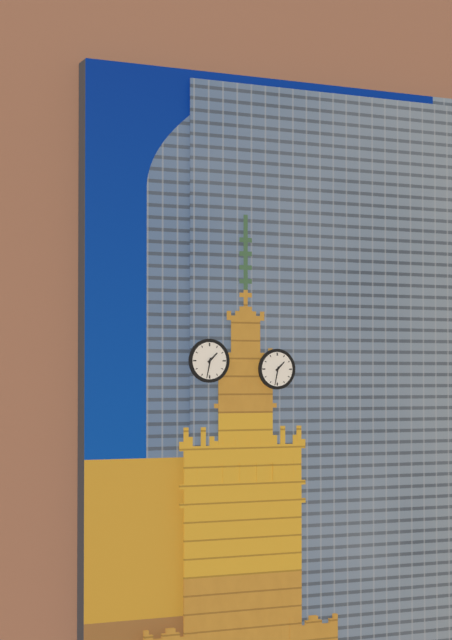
1:32
